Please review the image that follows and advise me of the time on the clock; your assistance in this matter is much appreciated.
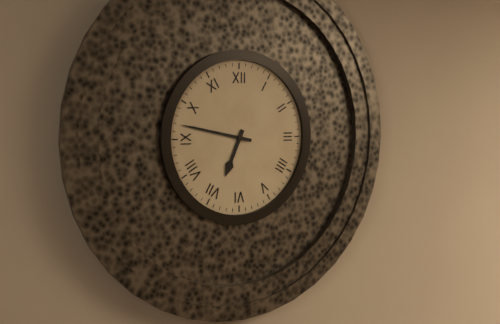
6:47
